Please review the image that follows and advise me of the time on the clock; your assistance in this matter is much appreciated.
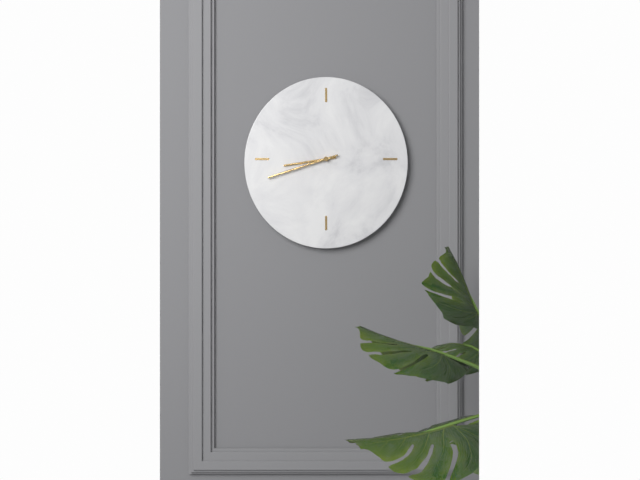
8:42
